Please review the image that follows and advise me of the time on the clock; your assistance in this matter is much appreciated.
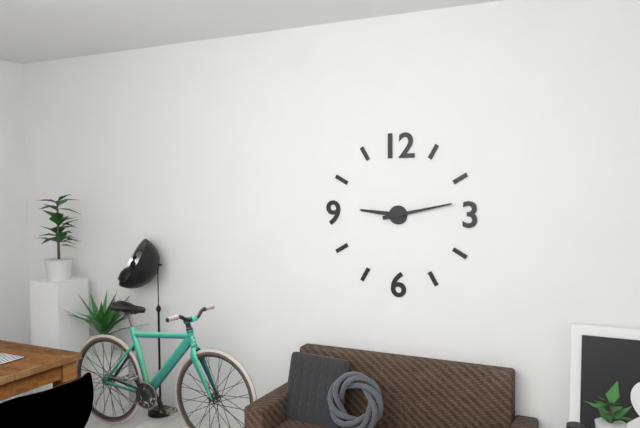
9:13
